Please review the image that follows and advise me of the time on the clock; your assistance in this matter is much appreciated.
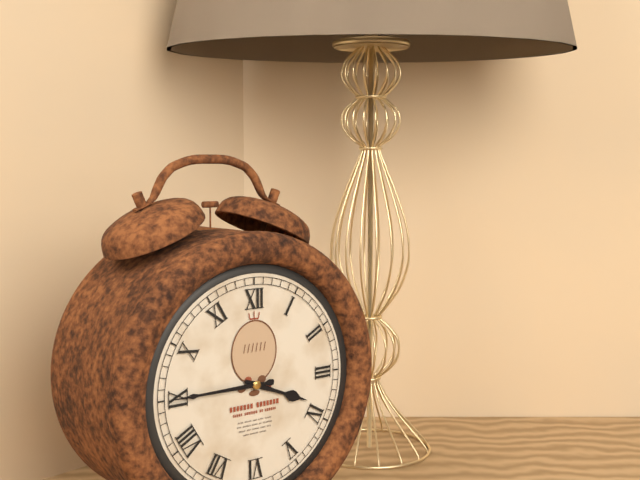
3:45
